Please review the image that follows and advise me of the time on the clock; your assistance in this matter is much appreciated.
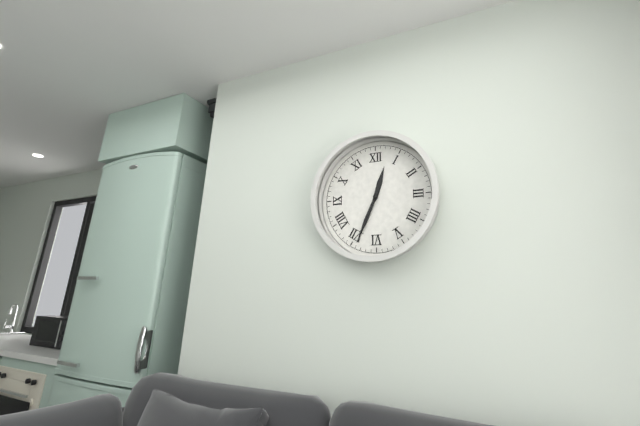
12:34
